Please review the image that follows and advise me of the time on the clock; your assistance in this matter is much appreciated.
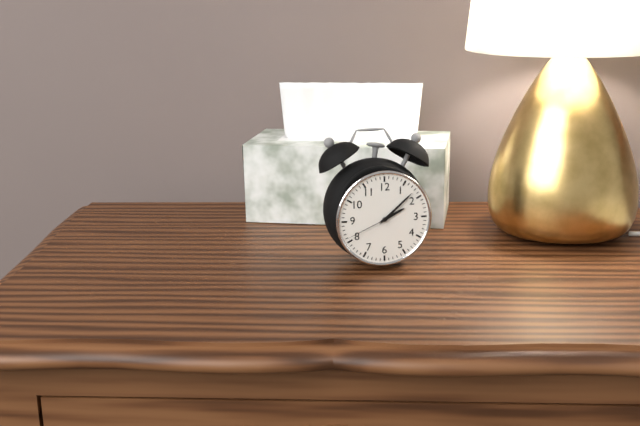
2:08:41
